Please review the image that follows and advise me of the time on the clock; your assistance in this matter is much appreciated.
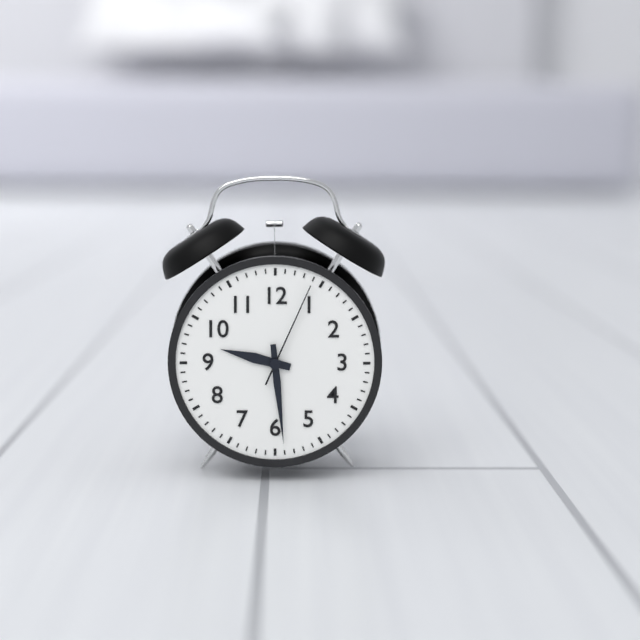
9:29:04
